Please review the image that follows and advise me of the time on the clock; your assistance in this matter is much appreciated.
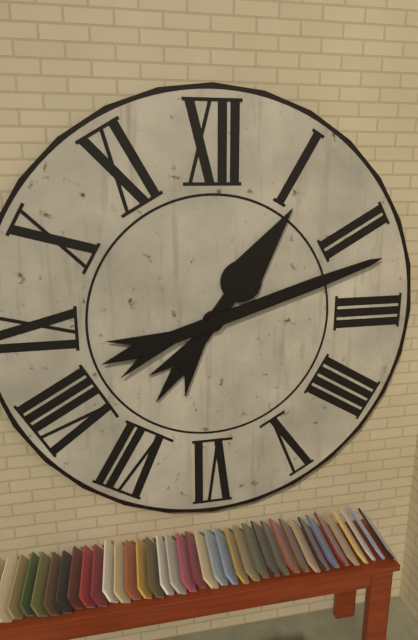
1:12
